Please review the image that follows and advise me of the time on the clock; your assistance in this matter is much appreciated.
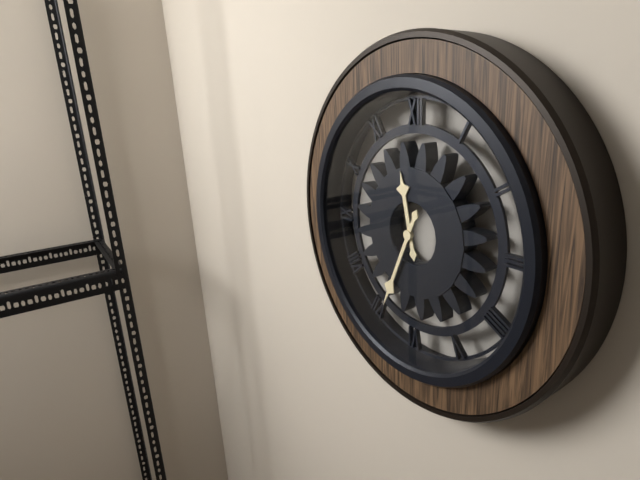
11:34
